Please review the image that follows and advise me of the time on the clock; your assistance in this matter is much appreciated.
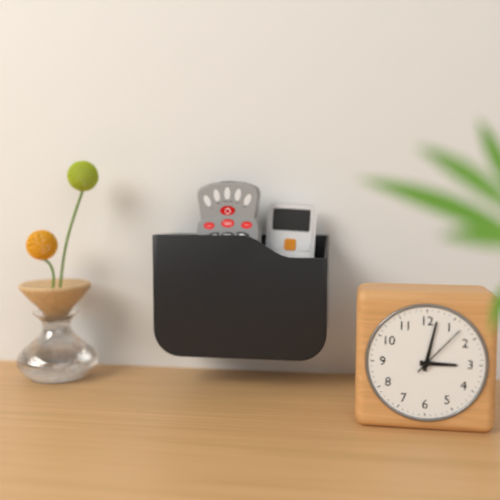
3:02:07
